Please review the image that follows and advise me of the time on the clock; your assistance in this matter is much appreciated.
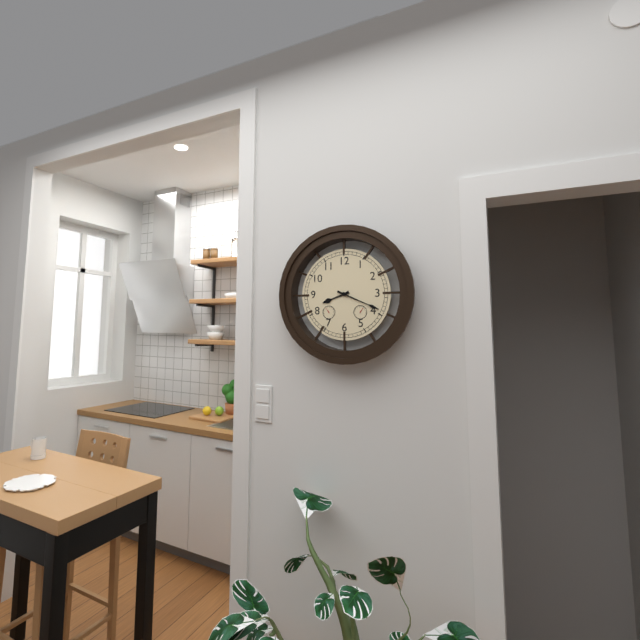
8:19
